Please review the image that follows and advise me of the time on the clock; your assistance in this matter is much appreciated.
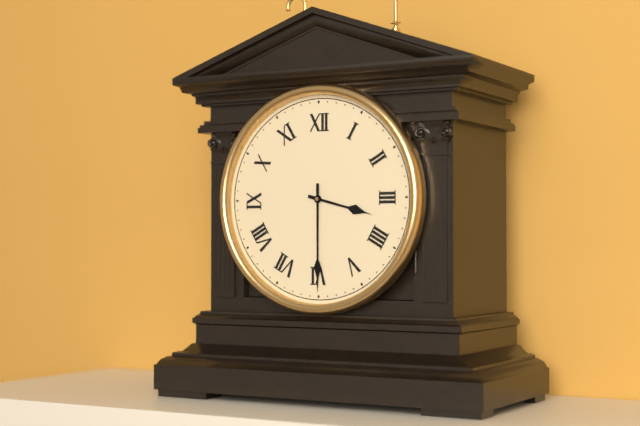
3:30
